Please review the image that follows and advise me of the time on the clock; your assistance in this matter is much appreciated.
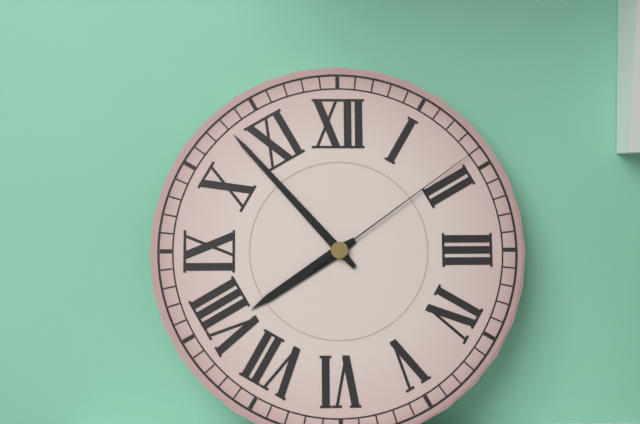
7:53:09
